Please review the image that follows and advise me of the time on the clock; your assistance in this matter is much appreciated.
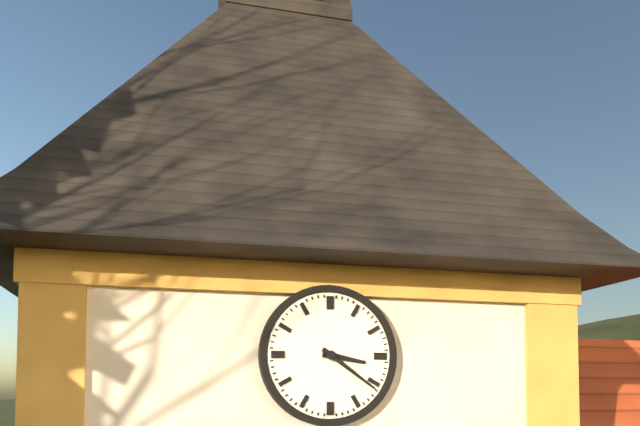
3:21
